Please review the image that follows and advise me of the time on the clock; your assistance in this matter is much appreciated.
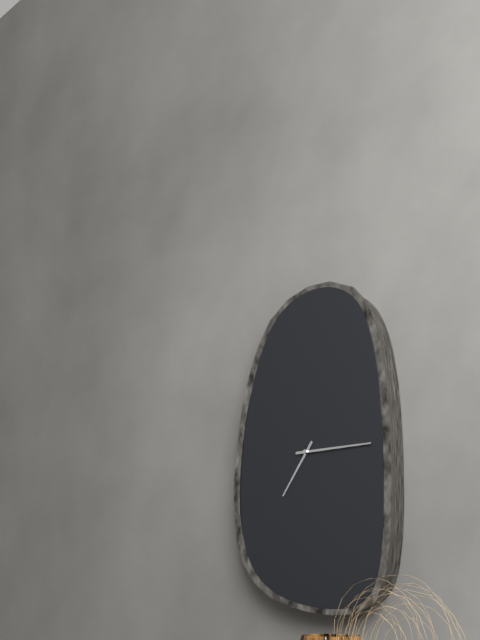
7:15
